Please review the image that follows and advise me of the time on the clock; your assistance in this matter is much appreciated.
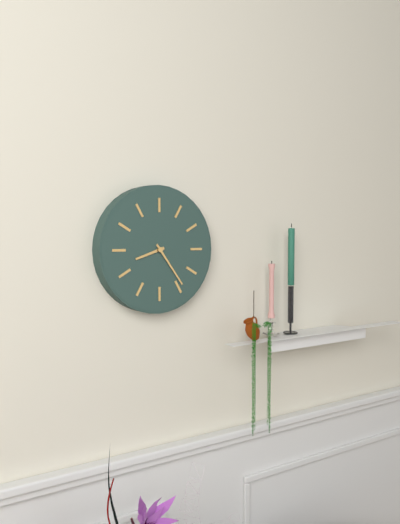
8:24
